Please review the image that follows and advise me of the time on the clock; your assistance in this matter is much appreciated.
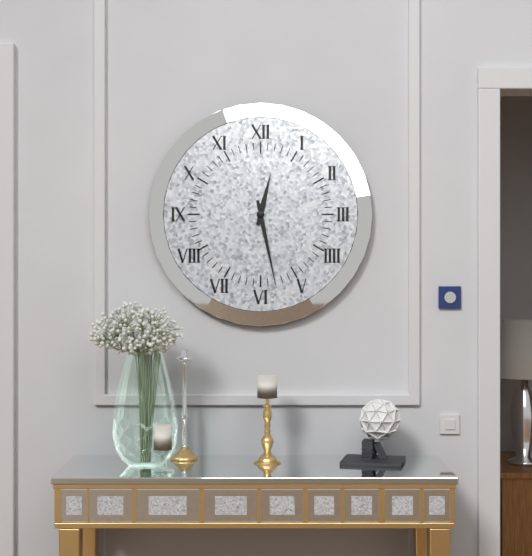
12:28
